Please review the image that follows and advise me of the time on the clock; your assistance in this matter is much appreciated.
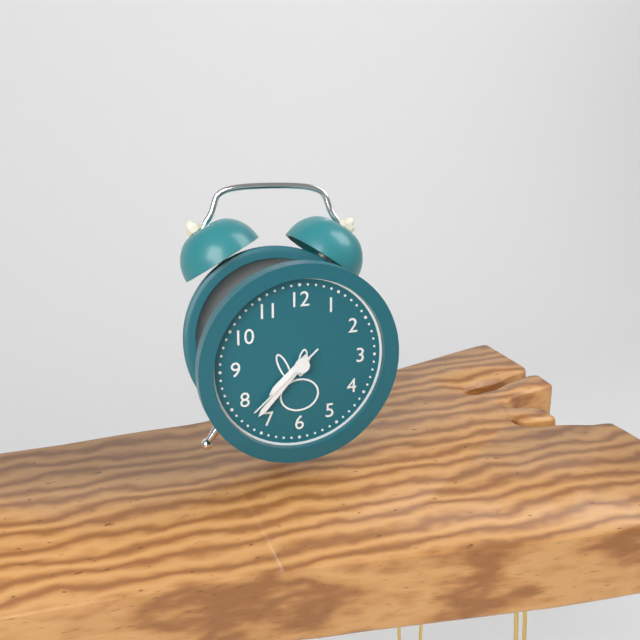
7:37:38
